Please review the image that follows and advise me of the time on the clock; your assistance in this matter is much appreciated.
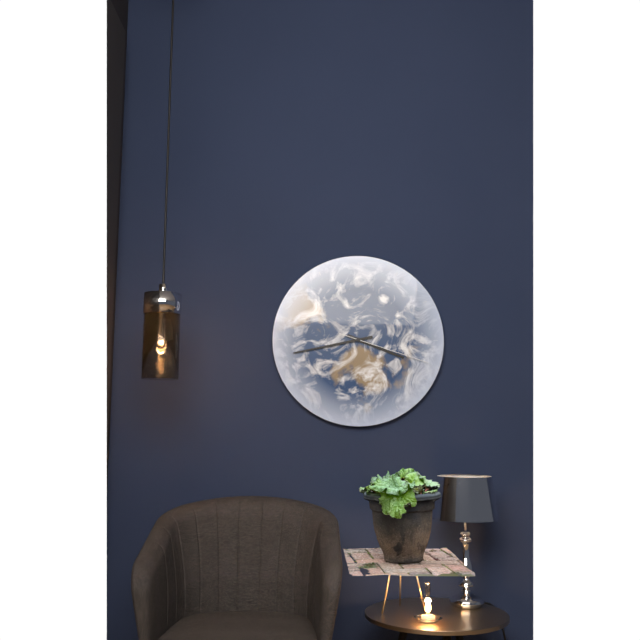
3:43:18
